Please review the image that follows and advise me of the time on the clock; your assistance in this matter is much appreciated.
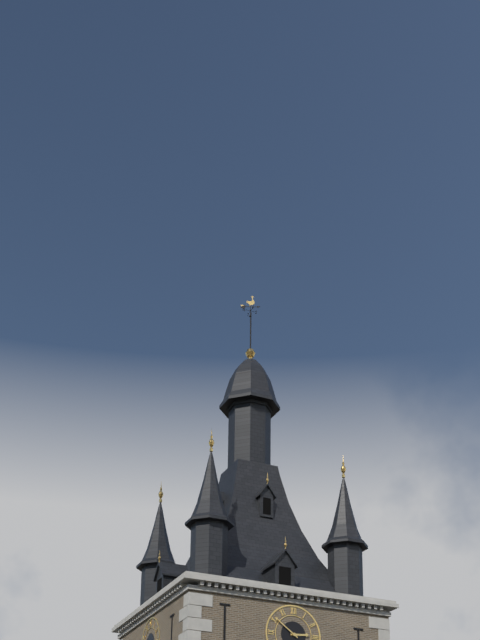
2:51
